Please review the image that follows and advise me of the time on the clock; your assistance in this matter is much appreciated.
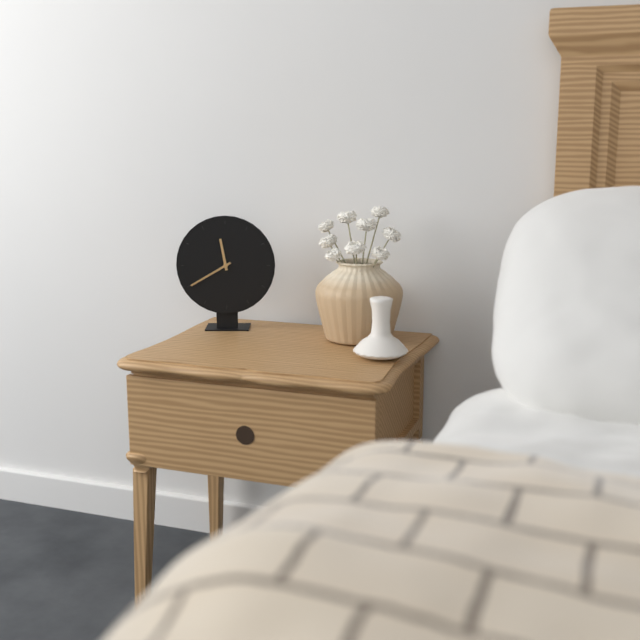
11:40
